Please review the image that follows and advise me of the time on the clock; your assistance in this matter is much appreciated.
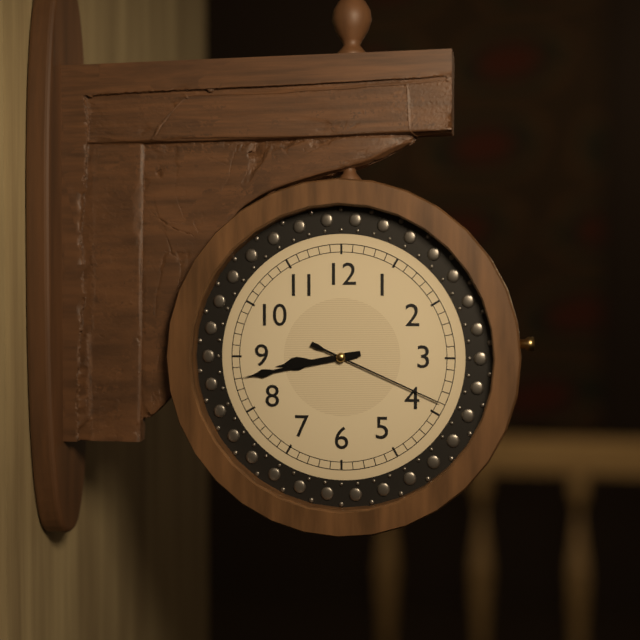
8:43:19
